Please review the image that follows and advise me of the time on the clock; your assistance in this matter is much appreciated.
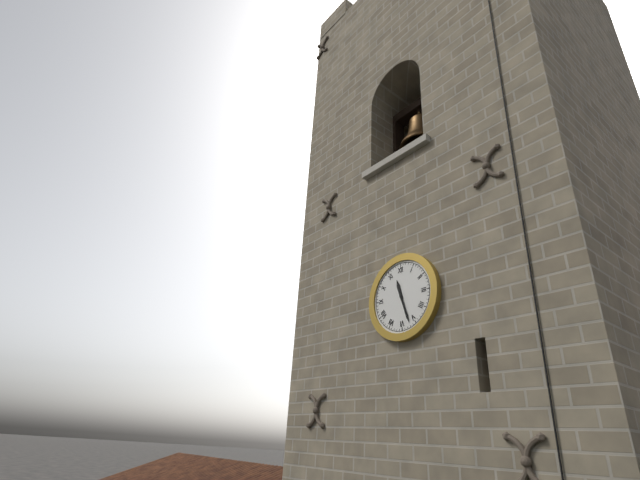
11:27
